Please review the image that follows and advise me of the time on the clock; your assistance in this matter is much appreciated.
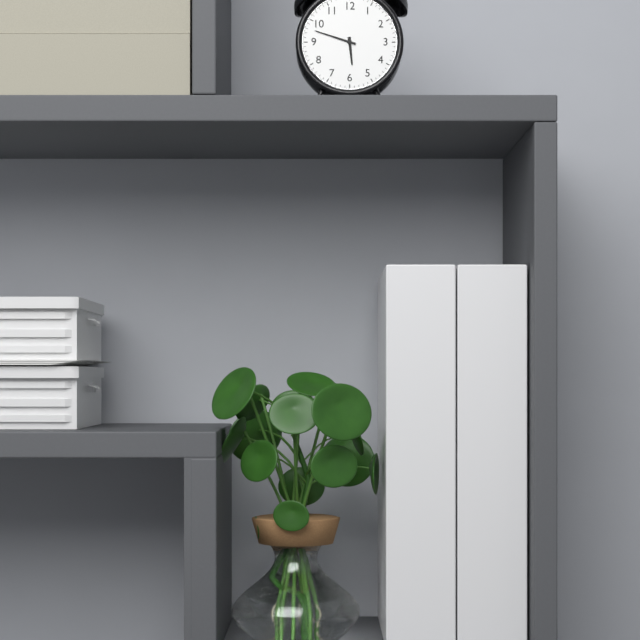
5:48
